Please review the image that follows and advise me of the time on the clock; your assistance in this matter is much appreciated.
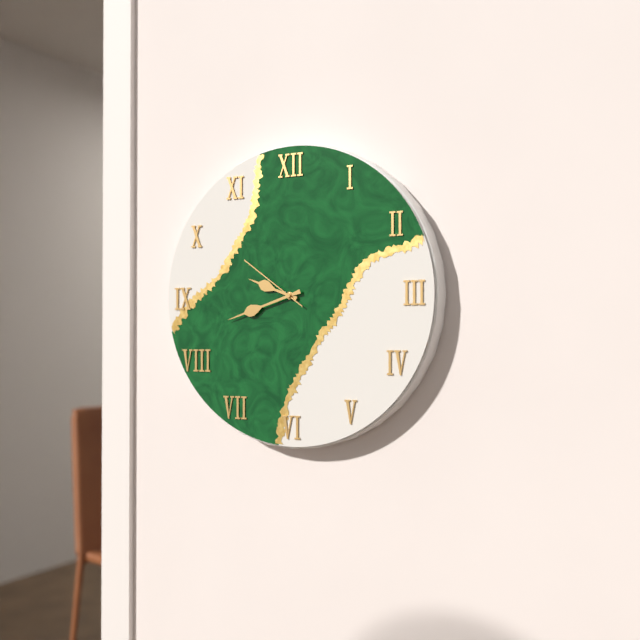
9:42:51
